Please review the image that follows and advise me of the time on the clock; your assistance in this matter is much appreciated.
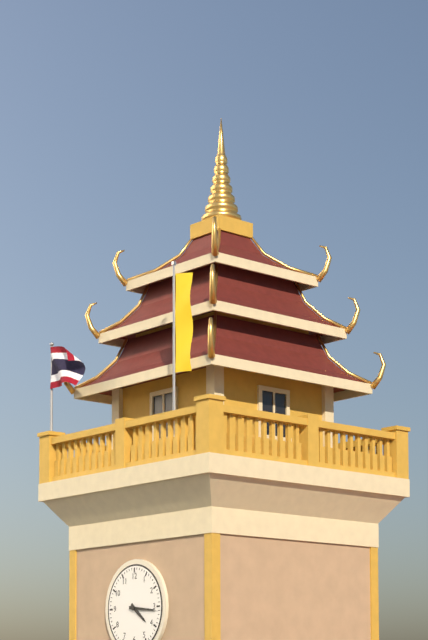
4:16
